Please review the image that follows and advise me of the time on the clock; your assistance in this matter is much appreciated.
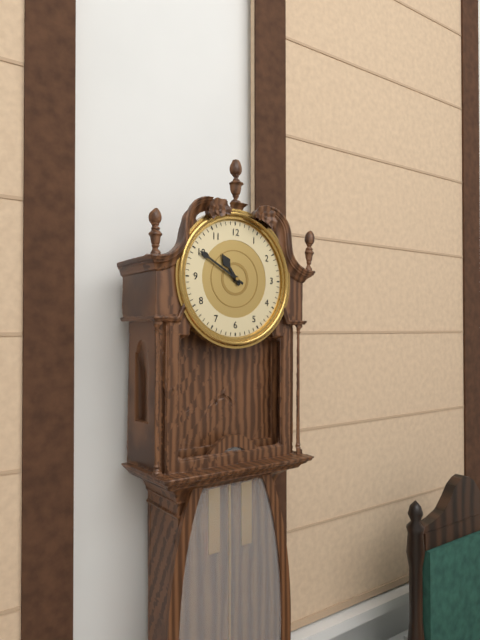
10:50
